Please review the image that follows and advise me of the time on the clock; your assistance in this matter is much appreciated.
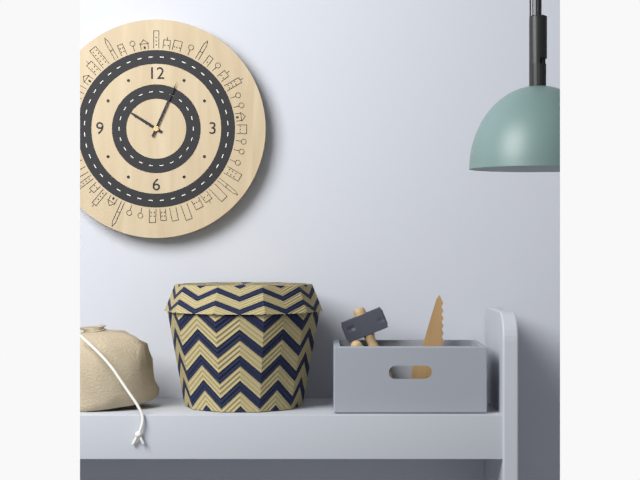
10:04
